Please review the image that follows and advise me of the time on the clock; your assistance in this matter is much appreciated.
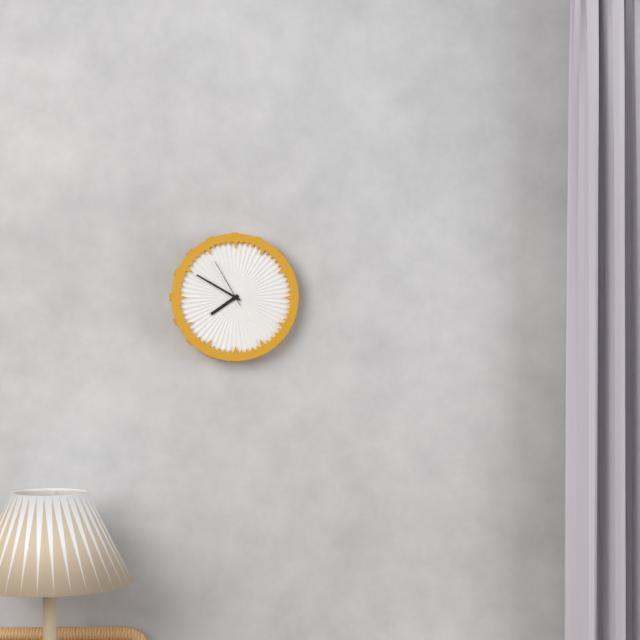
7:50:55
